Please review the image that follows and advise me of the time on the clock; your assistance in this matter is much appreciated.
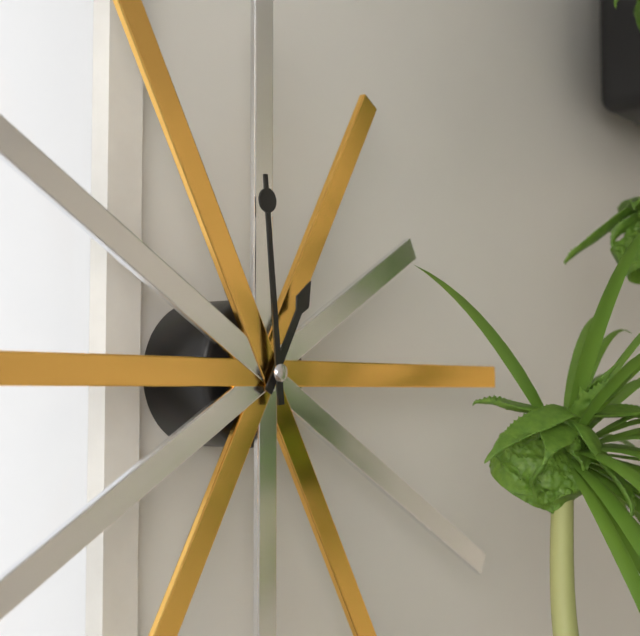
12:59
